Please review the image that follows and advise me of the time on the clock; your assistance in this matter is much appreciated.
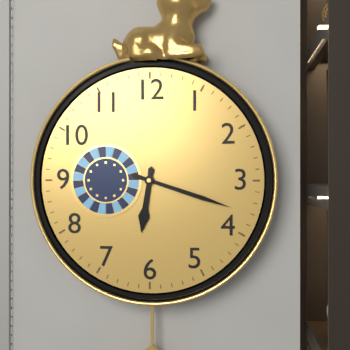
6:18
